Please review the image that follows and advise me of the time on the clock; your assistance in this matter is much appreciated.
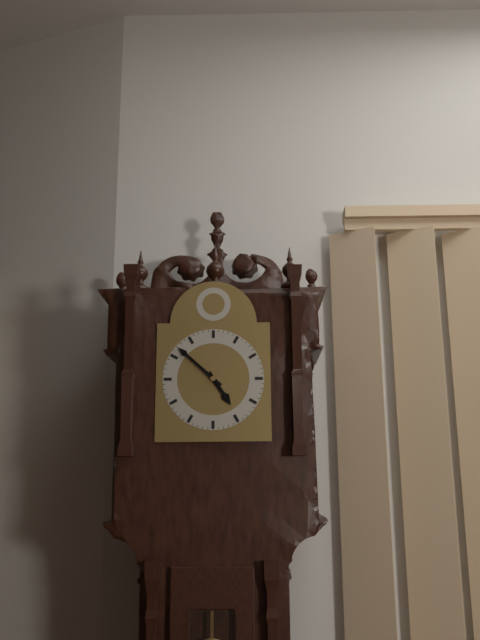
4:52
